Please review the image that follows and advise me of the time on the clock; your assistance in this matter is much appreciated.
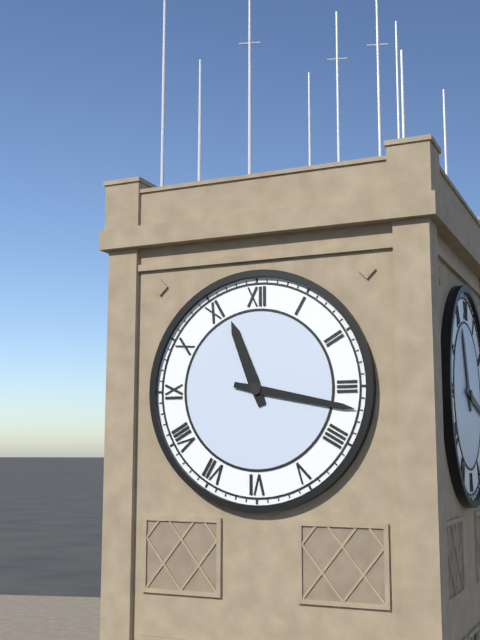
11:17
